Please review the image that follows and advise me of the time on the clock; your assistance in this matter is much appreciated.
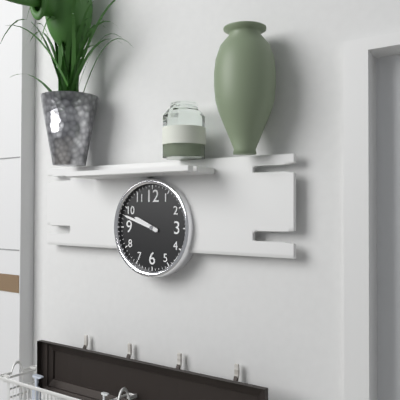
9:48
